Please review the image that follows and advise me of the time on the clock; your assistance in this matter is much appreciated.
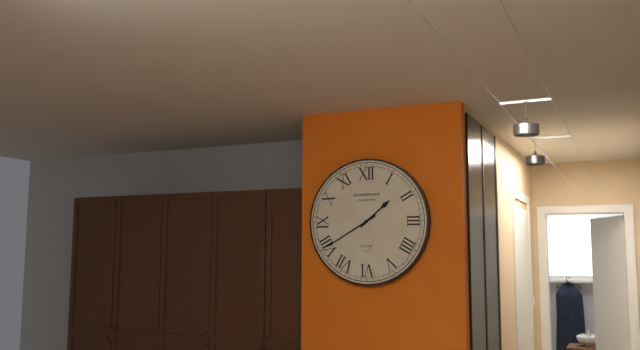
1:40
